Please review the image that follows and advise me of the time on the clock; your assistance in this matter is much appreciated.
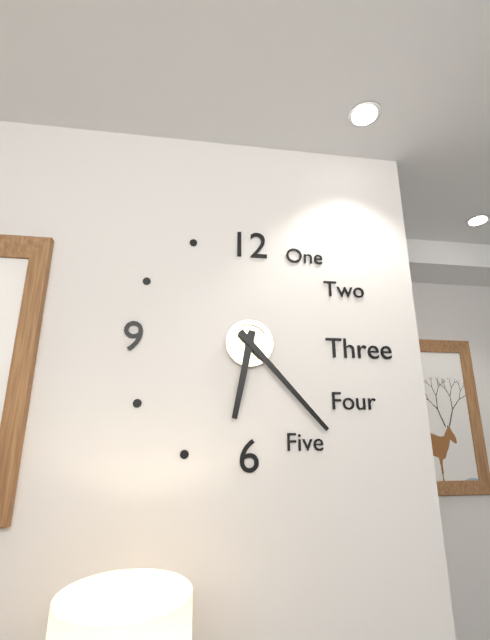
6:23
